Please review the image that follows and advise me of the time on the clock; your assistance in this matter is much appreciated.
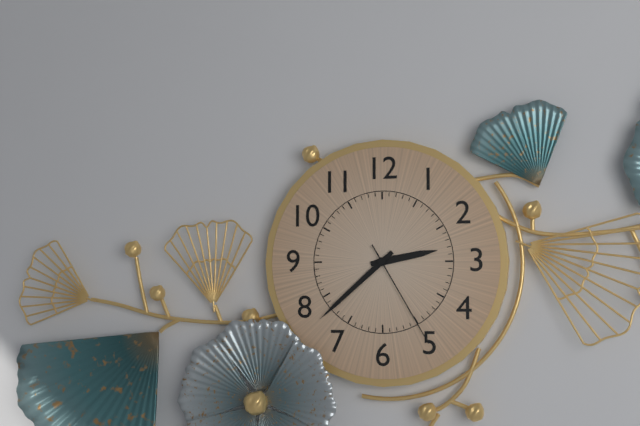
2:38:25
